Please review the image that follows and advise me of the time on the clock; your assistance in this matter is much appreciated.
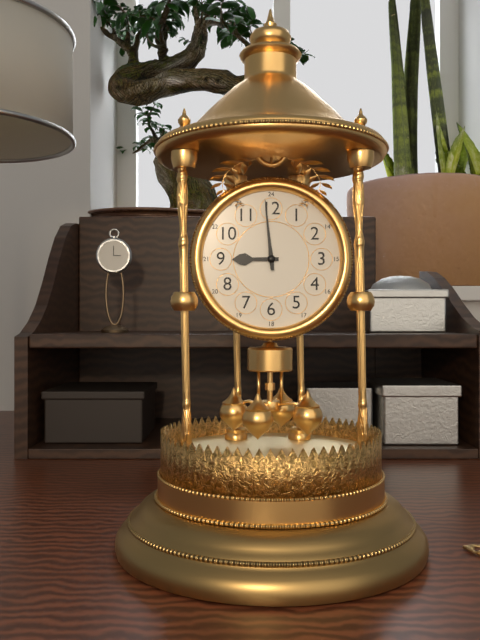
8:59
